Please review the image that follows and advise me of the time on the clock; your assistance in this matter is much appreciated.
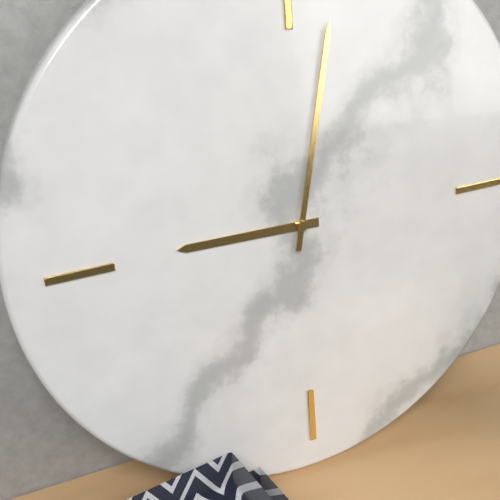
9:02
